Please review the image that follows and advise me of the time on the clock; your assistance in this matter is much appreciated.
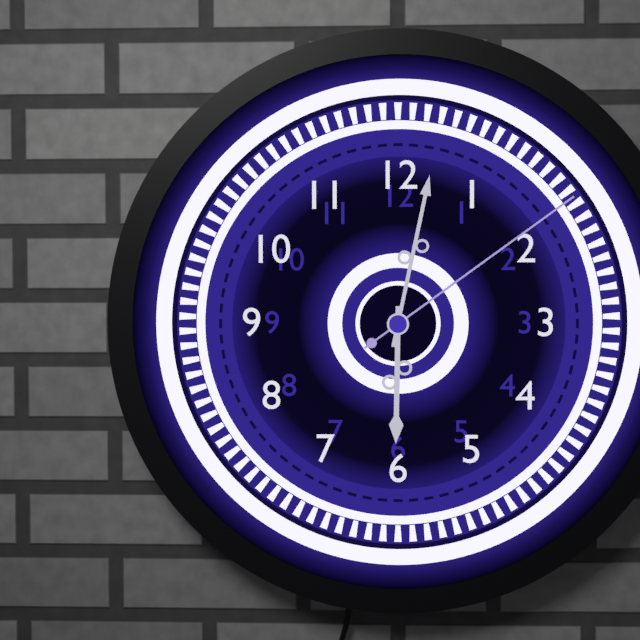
6:02:09
